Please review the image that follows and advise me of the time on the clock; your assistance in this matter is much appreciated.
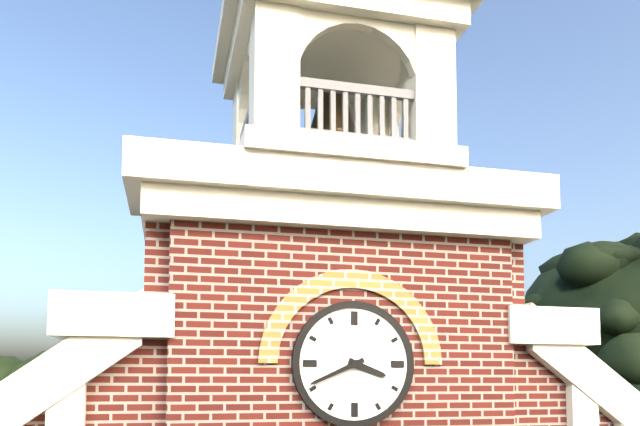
3:41
